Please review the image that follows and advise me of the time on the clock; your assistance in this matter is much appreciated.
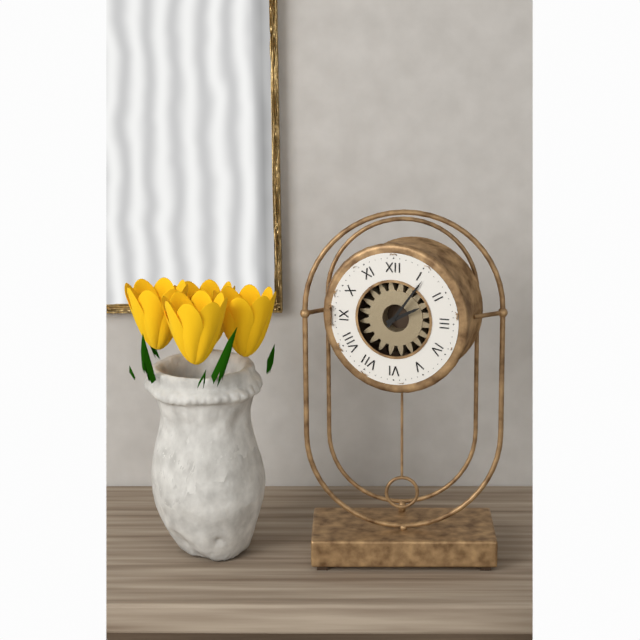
2:06
